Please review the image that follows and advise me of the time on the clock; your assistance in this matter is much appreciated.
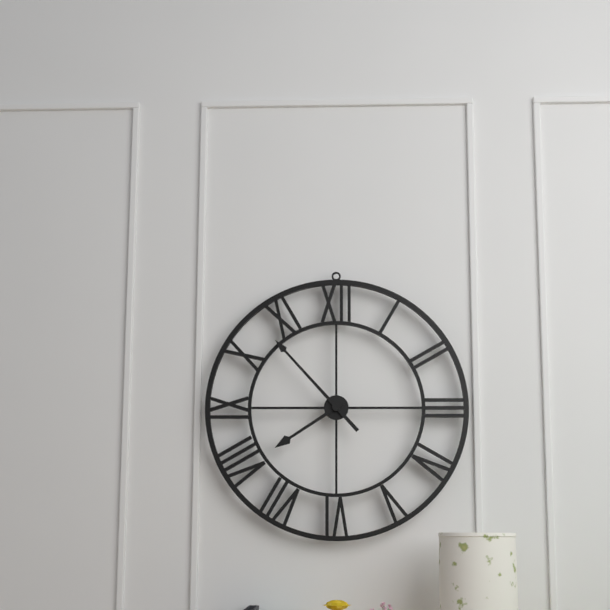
7:53
